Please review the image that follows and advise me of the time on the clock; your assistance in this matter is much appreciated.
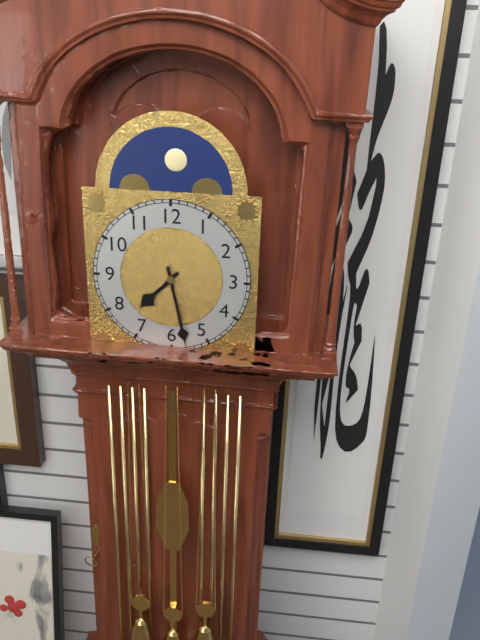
7:28
